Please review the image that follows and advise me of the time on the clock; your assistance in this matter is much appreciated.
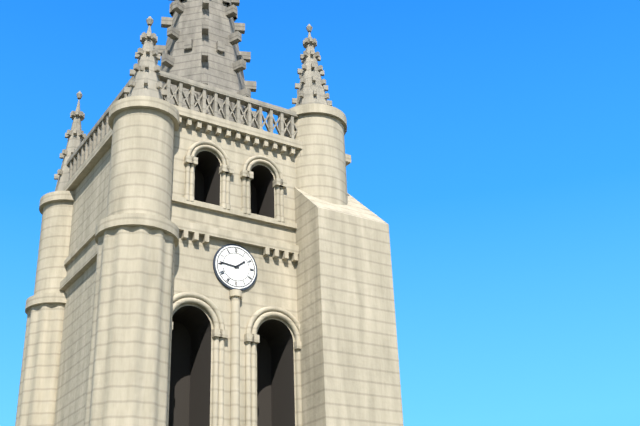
1:46
